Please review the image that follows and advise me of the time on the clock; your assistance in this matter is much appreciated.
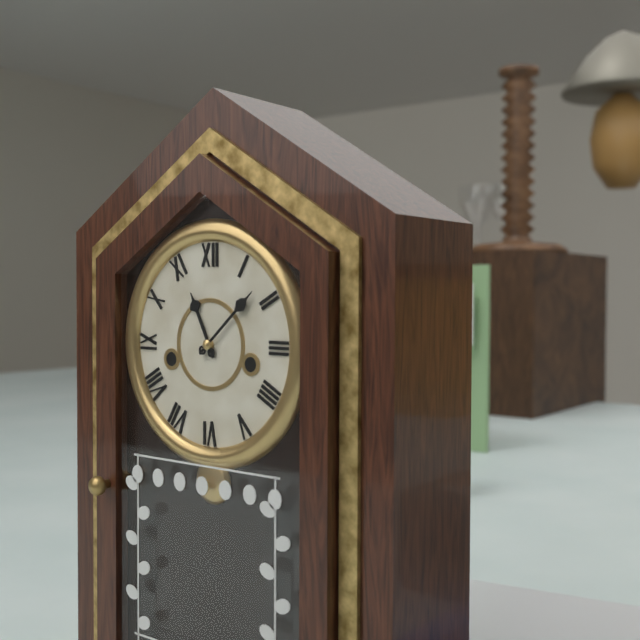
11:08
